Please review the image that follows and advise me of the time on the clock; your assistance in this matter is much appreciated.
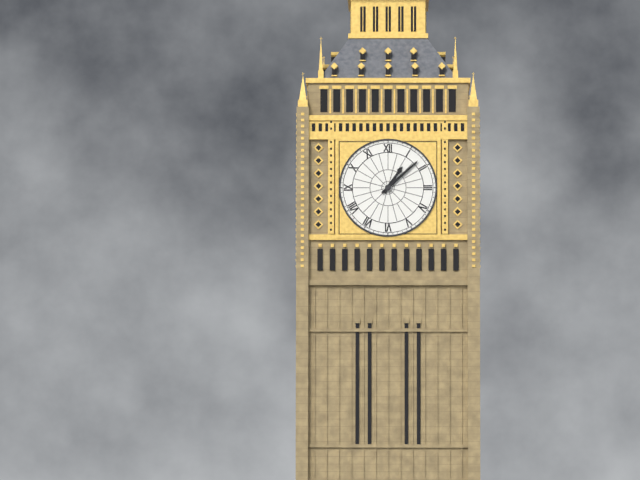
1:08
